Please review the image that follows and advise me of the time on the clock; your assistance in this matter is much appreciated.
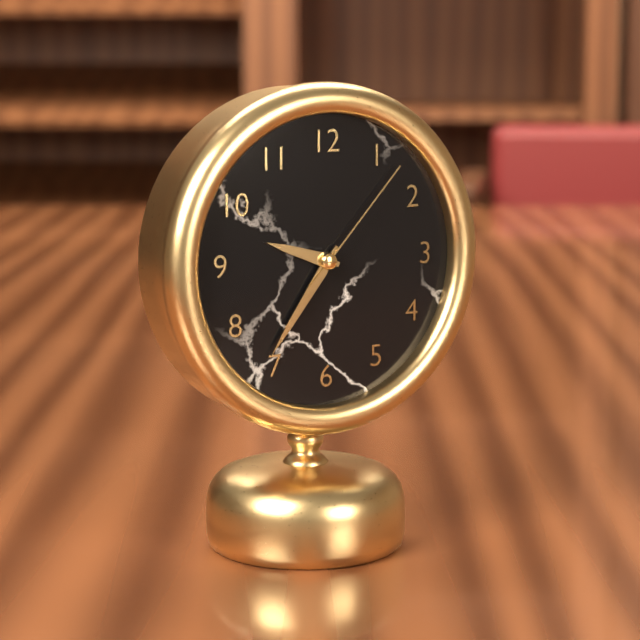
9:36:07
